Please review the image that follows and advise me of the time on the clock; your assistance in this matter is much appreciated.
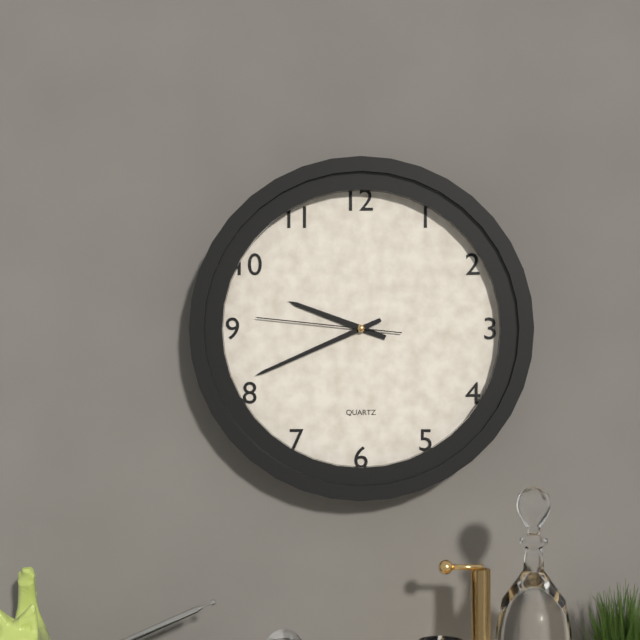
9:41:46
